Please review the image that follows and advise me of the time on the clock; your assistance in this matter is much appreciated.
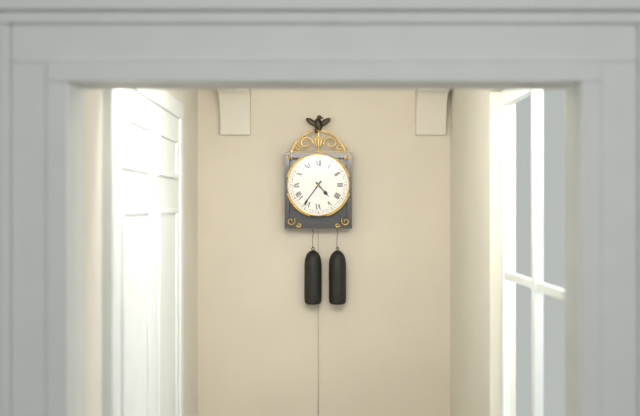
4:36
